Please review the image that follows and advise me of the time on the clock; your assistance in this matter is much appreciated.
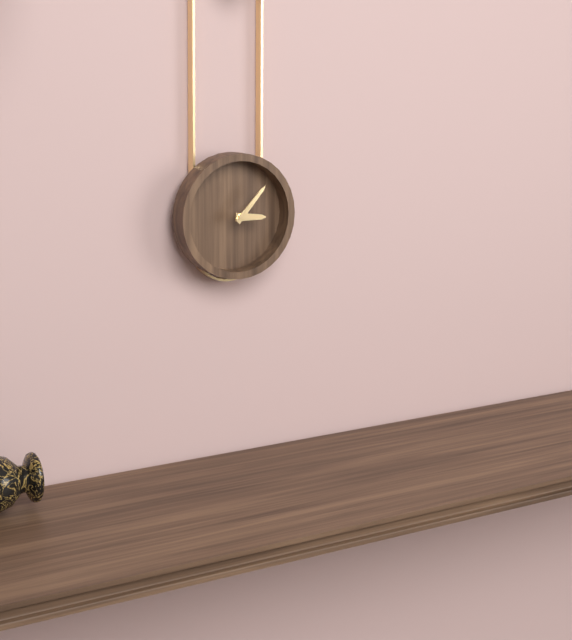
3:07
